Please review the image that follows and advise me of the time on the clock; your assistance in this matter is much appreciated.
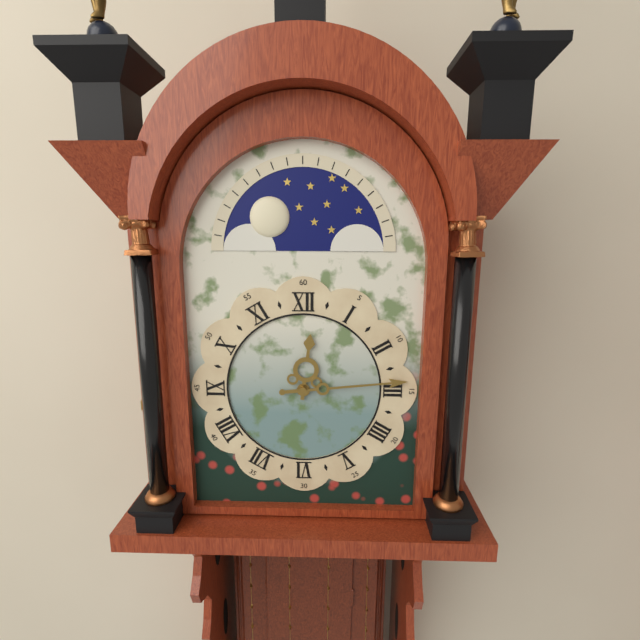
12:14
